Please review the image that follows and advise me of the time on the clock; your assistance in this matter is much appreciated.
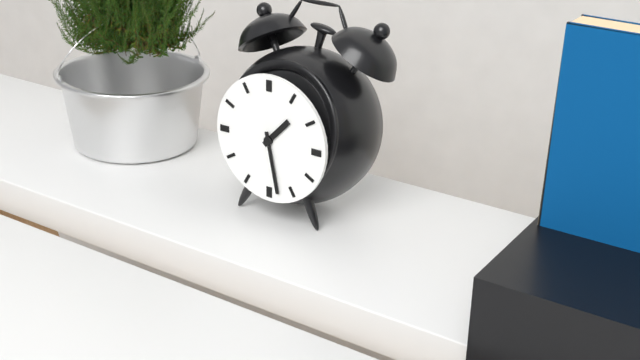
1:28
